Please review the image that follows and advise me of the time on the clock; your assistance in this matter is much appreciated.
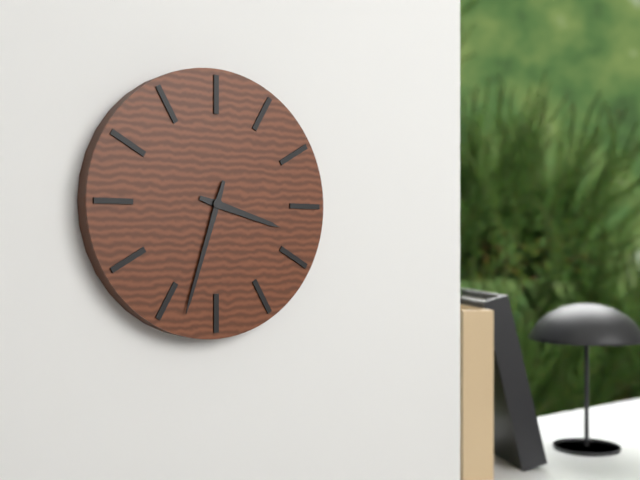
3:33
